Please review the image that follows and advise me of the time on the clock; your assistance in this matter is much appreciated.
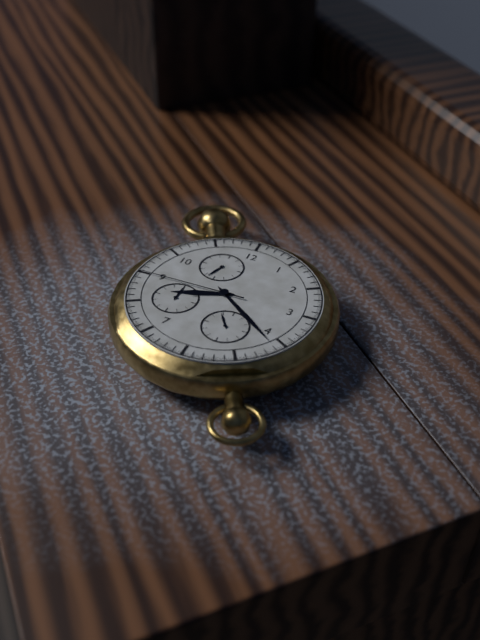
8:21:45
